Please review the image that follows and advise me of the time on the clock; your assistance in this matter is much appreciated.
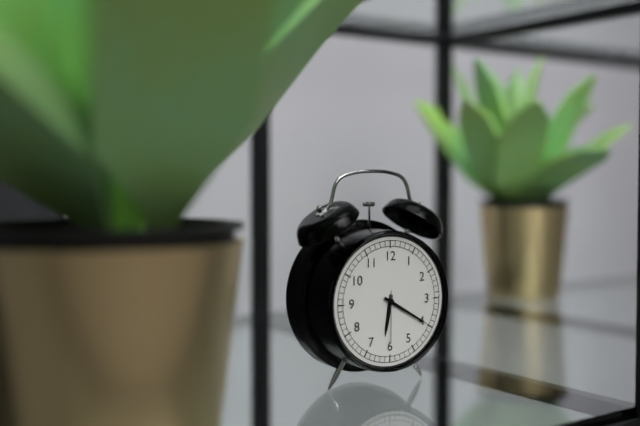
6:20:30
